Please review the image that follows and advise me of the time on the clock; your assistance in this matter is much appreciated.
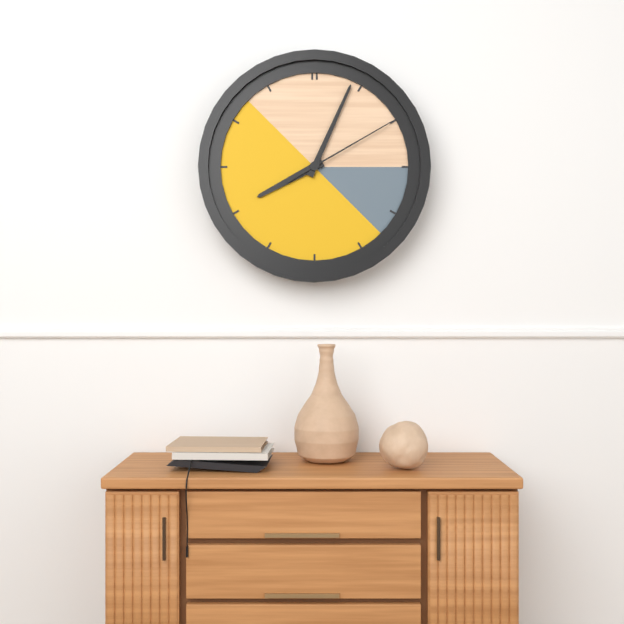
8:04:10
